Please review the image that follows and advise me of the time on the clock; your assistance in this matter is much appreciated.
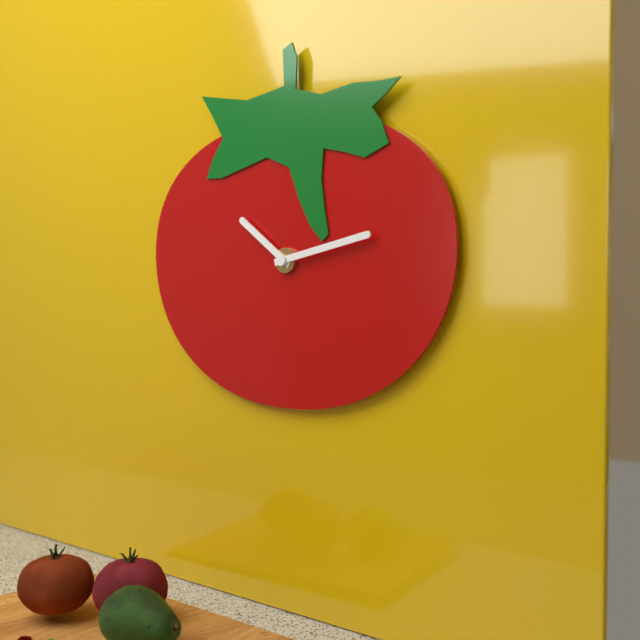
10:13
